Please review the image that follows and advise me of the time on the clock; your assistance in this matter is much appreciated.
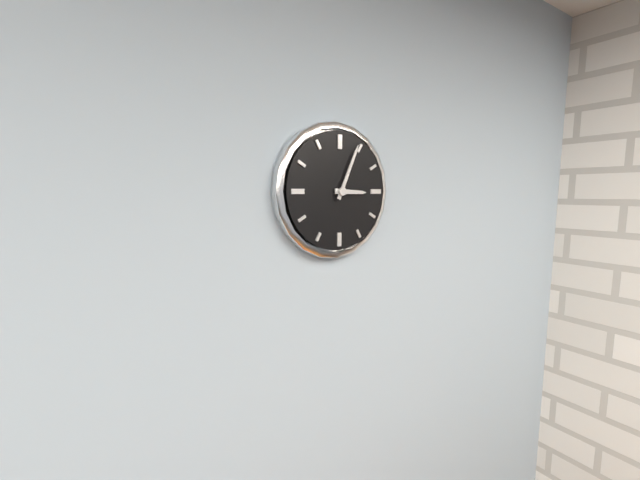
3:04
